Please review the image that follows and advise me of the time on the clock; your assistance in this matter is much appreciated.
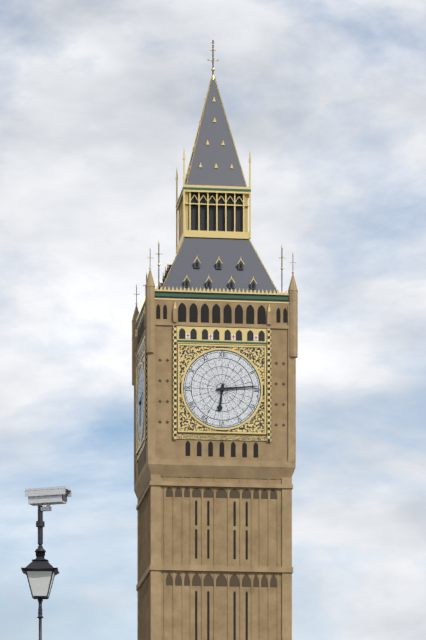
6:14
